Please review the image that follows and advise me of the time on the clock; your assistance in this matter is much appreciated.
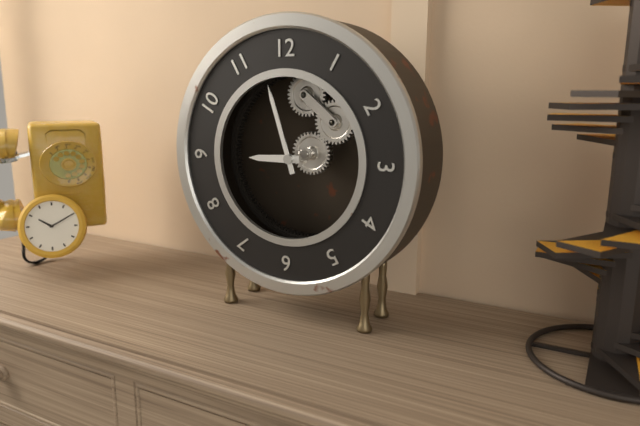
8:57
